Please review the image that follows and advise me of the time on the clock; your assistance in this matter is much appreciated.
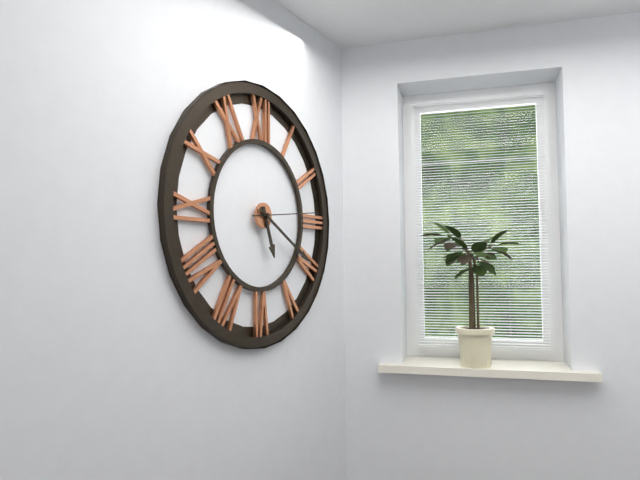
5:20:14
